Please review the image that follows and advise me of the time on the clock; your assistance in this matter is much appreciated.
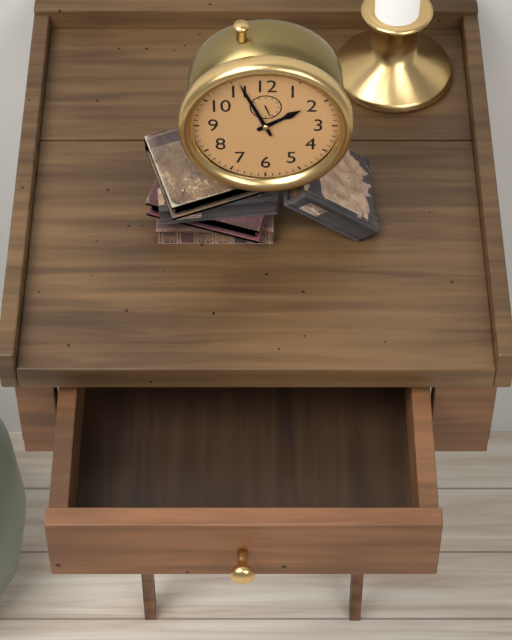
1:56
